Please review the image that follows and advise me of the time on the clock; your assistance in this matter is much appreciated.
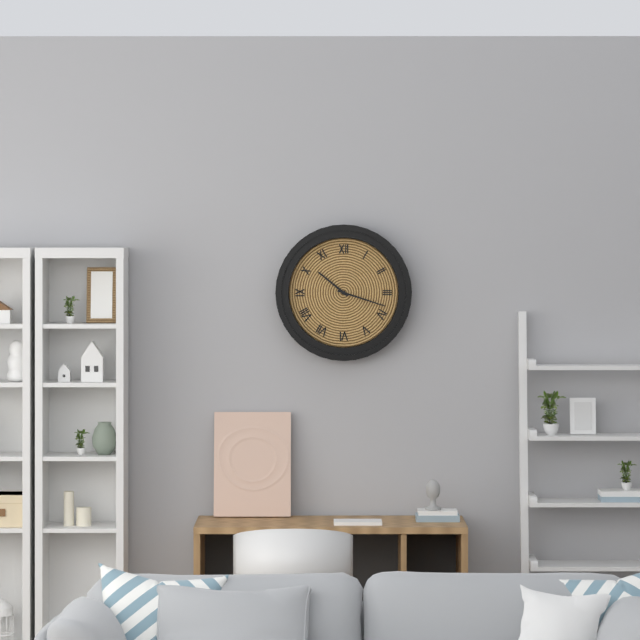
10:18
